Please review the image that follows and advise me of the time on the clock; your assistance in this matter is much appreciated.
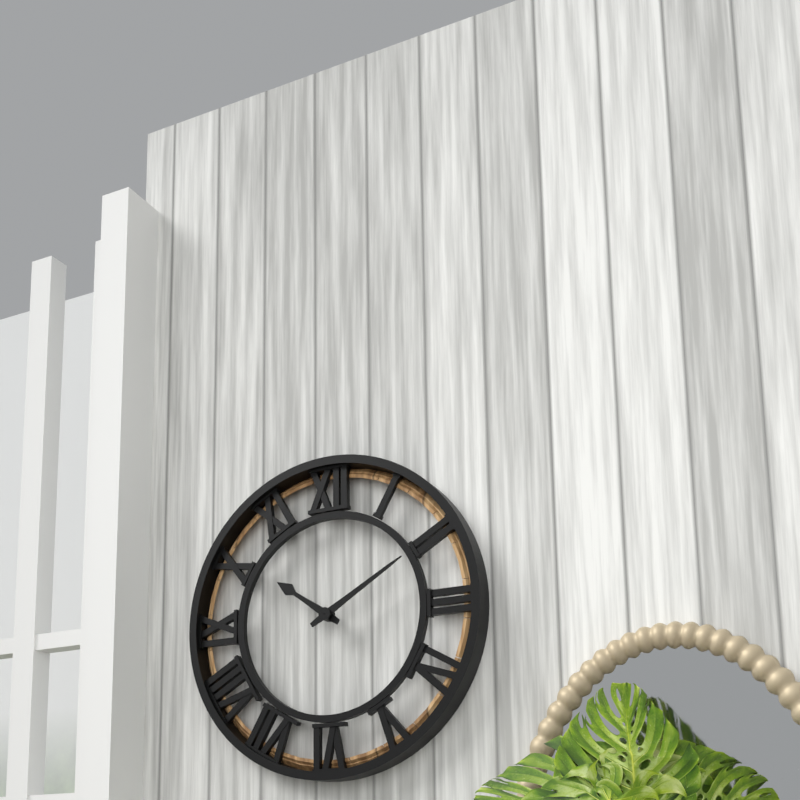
10:10
